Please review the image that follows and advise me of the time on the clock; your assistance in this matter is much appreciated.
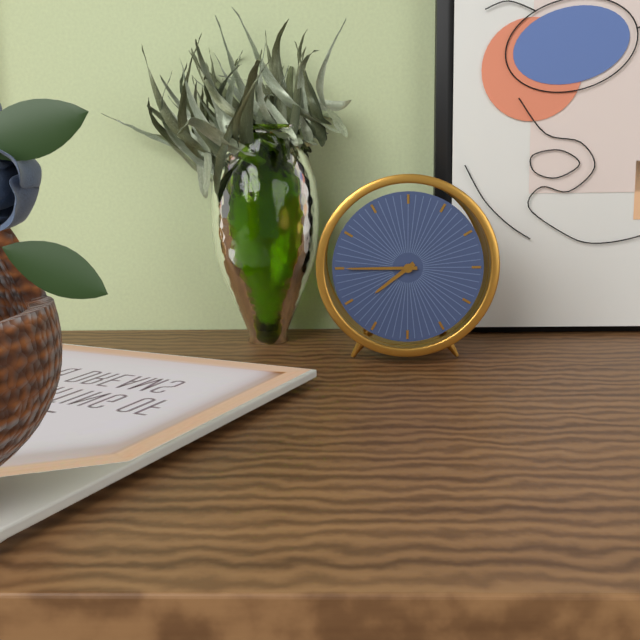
7:45
